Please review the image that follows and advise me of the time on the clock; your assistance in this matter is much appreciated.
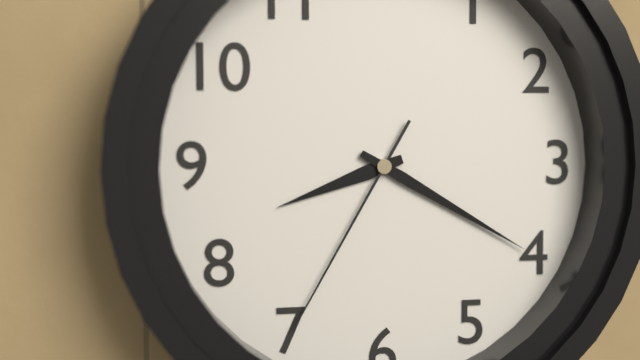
8:20:35
